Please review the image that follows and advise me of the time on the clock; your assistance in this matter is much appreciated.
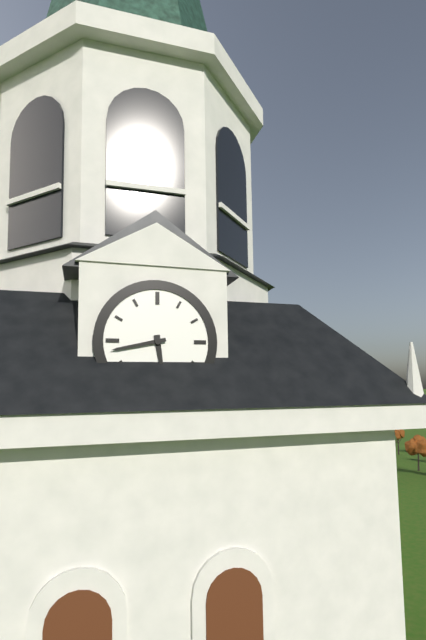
5:43
